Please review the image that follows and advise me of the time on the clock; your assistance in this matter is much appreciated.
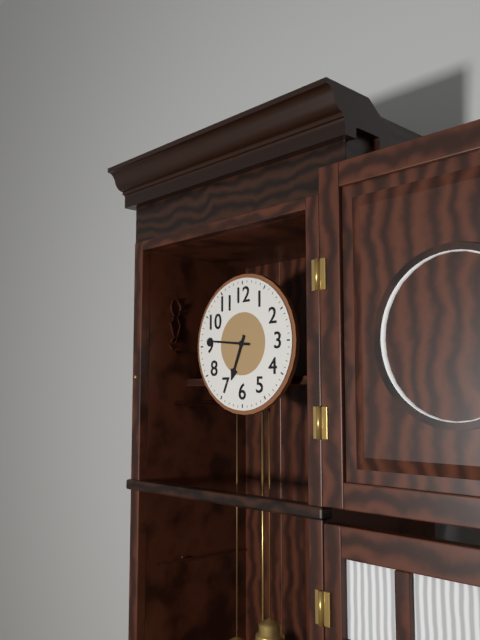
6:46
